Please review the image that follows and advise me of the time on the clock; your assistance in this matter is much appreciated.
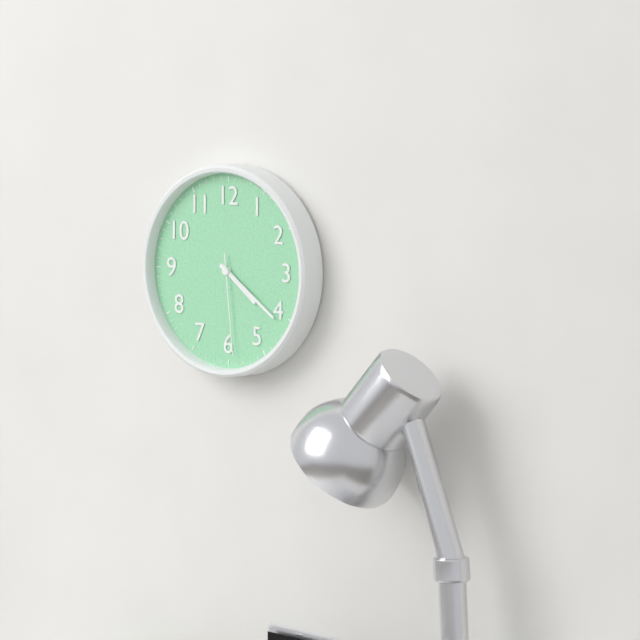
4:21:29
